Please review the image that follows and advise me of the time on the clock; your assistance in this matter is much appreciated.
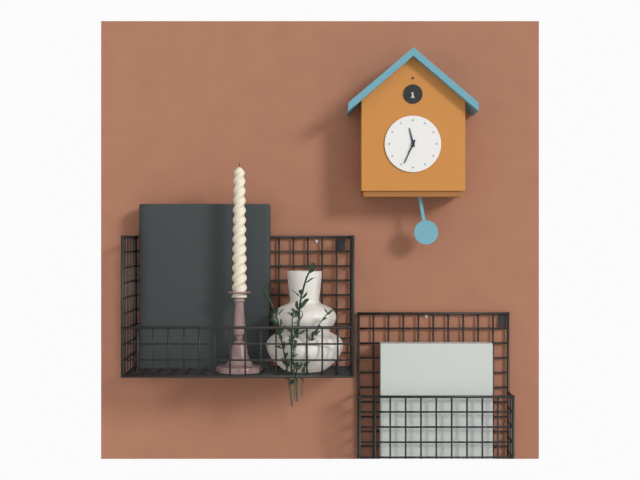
11:34
